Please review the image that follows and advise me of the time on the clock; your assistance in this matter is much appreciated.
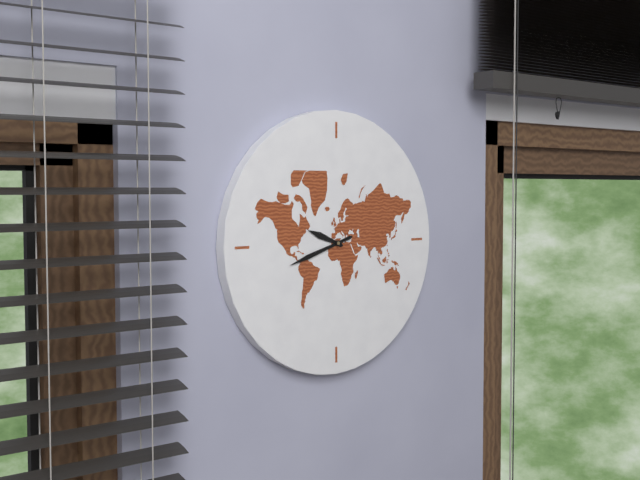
9:42
